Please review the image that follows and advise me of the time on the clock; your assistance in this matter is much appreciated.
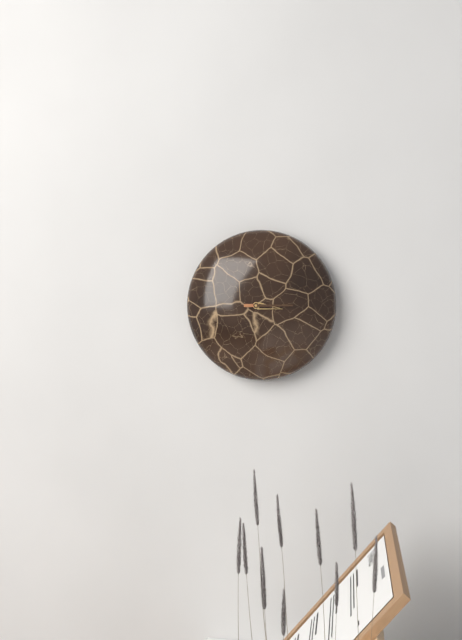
3:15
